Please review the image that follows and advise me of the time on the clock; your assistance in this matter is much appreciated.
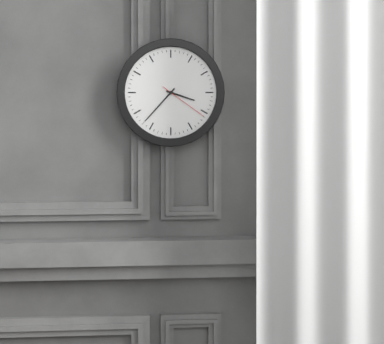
3:37:21
